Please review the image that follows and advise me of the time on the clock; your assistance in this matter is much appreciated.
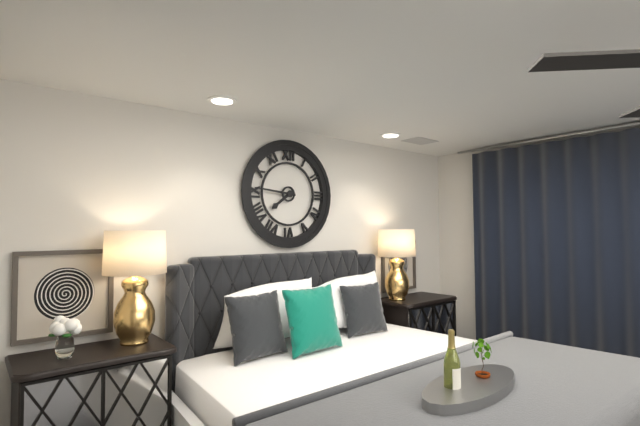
7:46
